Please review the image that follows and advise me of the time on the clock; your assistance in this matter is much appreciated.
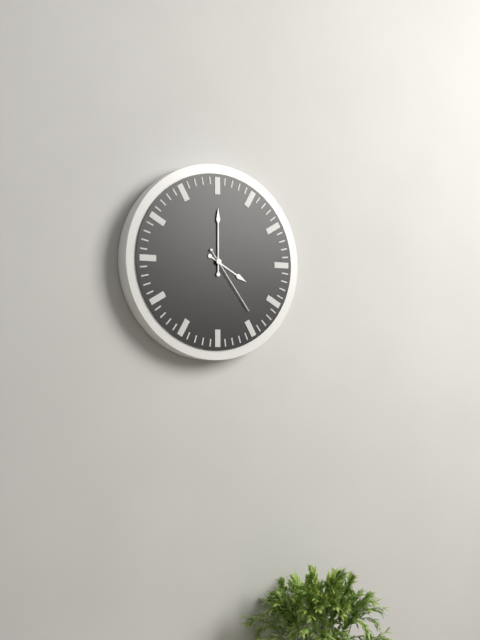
4:00:24
